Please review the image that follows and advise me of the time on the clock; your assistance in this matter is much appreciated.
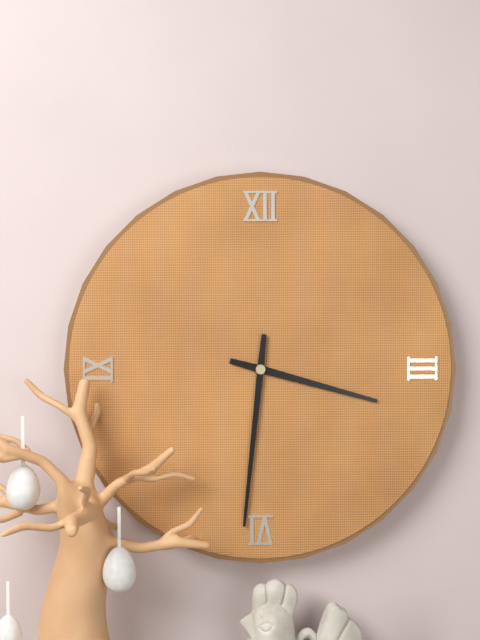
3:31
